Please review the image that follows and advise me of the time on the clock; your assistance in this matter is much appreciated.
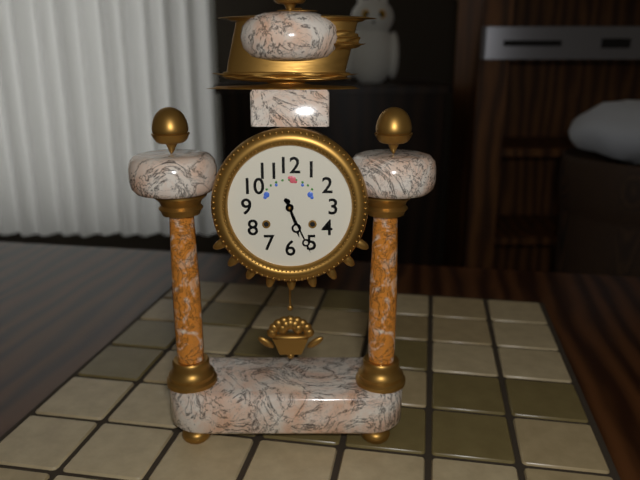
5:26
